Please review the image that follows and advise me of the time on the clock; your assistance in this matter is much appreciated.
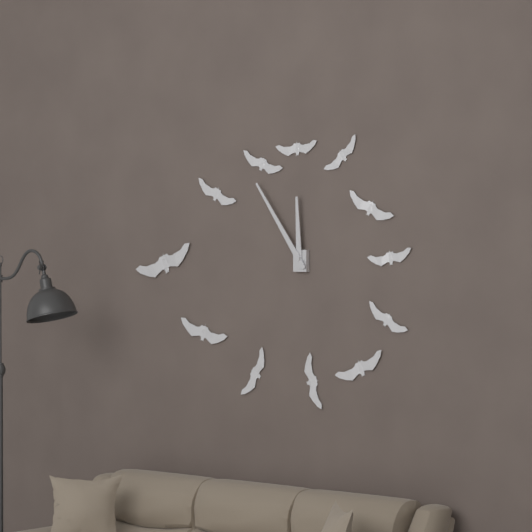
11:54
